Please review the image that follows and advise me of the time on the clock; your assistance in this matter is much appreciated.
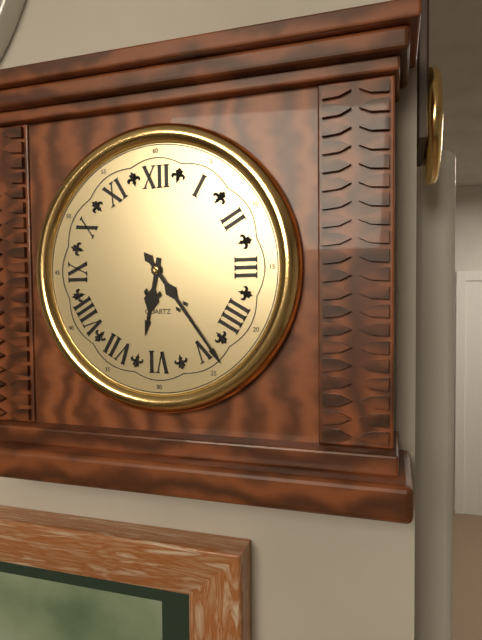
6:24
